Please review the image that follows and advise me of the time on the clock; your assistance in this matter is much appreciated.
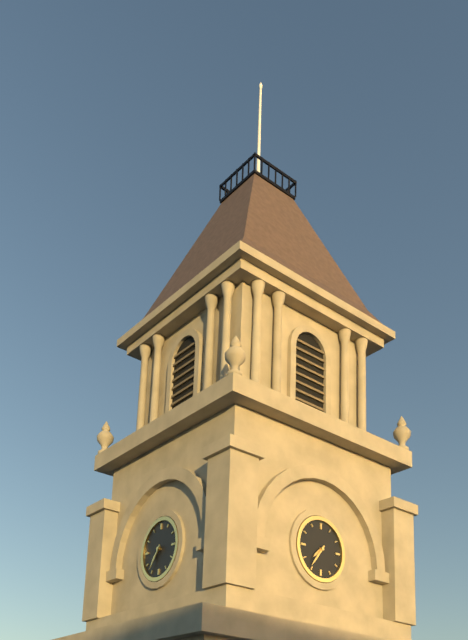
7:36
